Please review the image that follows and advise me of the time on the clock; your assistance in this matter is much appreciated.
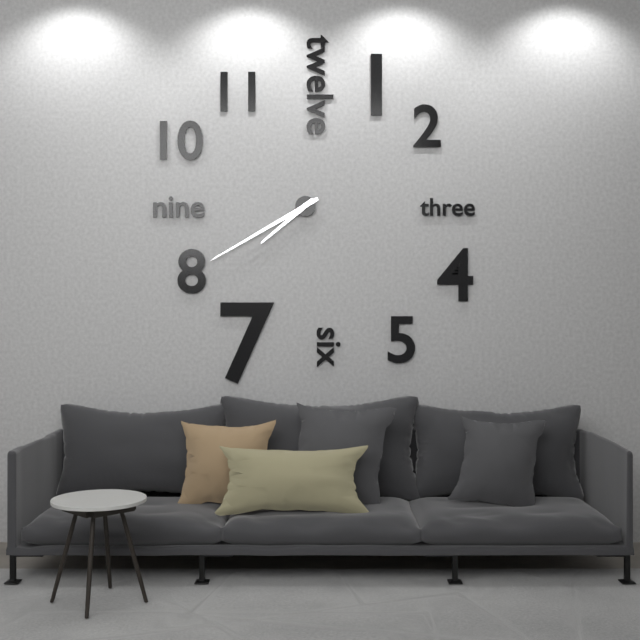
7:40
